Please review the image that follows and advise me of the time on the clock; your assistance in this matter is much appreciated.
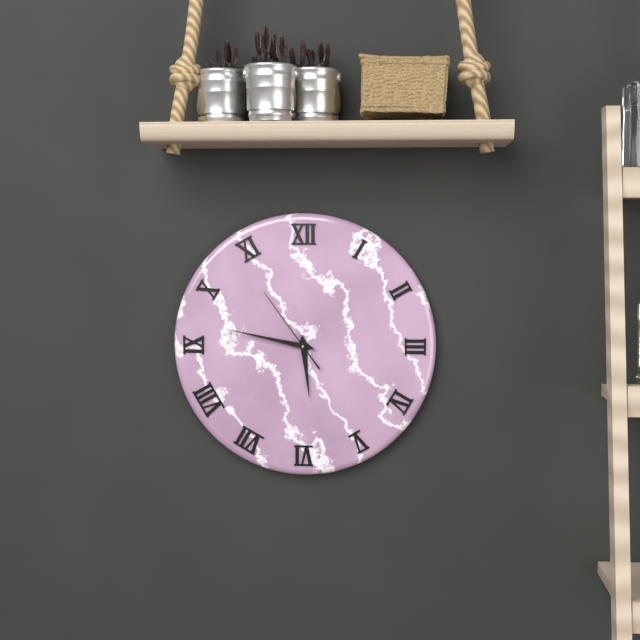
5:47:54
